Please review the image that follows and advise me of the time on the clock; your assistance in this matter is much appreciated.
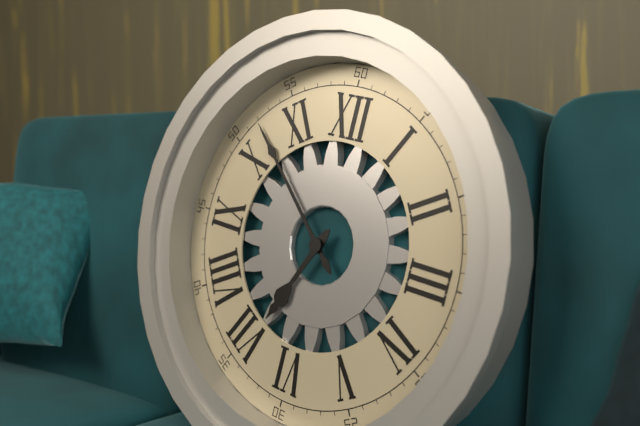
6:52
